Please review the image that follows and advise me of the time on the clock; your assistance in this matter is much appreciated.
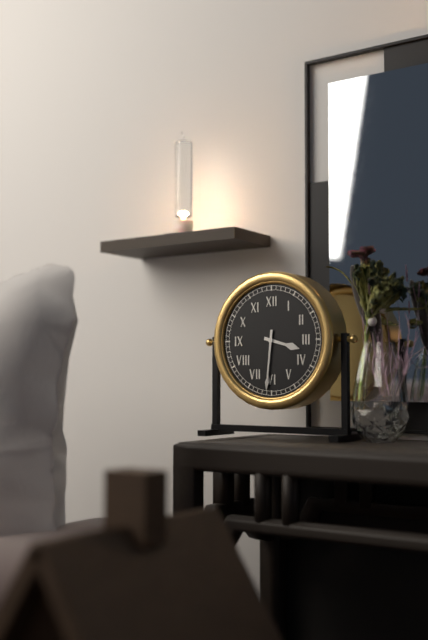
3:31
